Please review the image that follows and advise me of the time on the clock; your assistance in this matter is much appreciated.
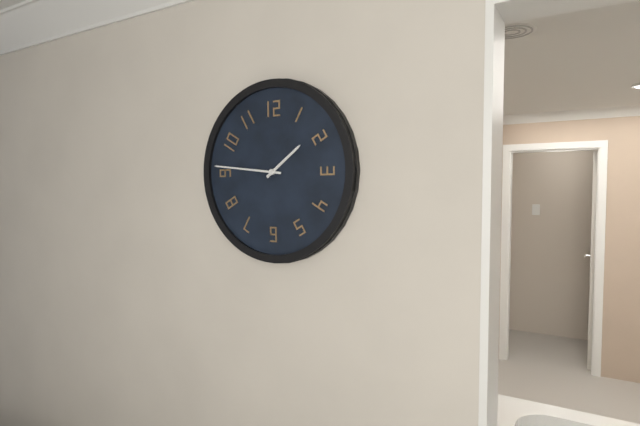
1:46
